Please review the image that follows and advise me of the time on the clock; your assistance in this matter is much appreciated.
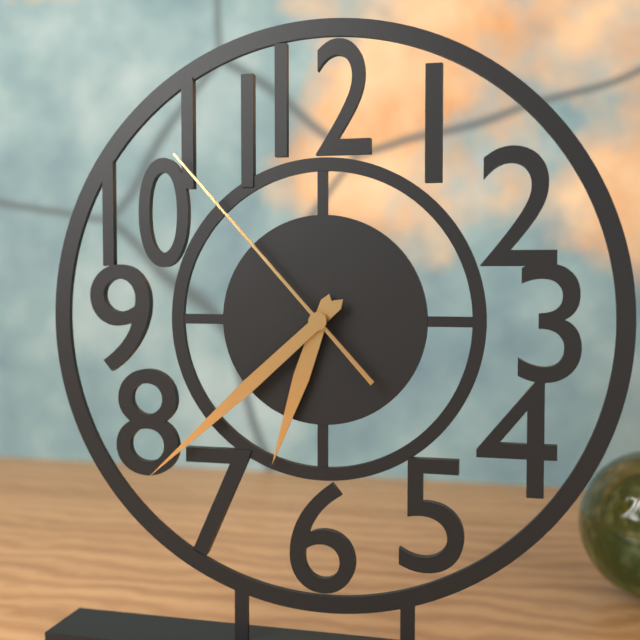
6:38:53
